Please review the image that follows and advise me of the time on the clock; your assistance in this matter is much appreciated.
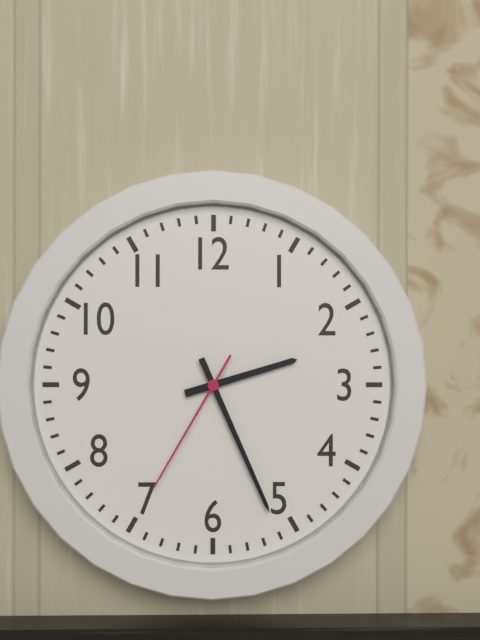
2:26:35
